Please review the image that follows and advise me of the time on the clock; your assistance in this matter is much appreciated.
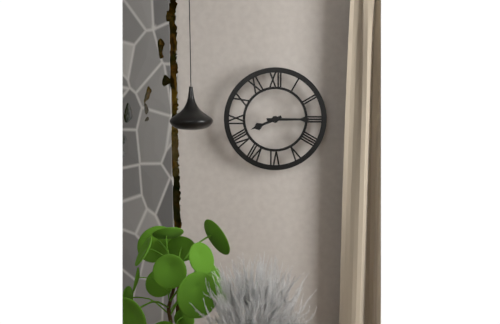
8:15
